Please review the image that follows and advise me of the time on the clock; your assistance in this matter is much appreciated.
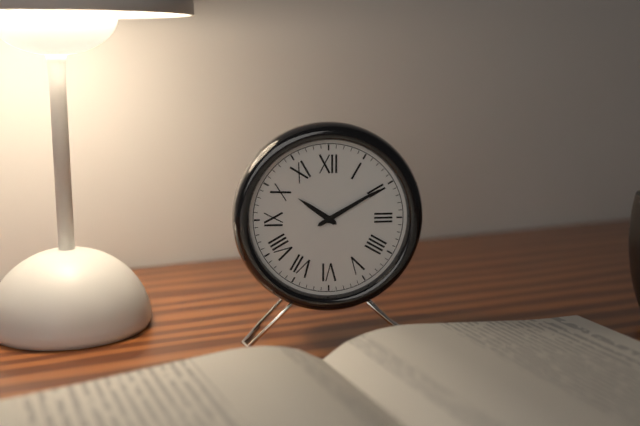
10:10
